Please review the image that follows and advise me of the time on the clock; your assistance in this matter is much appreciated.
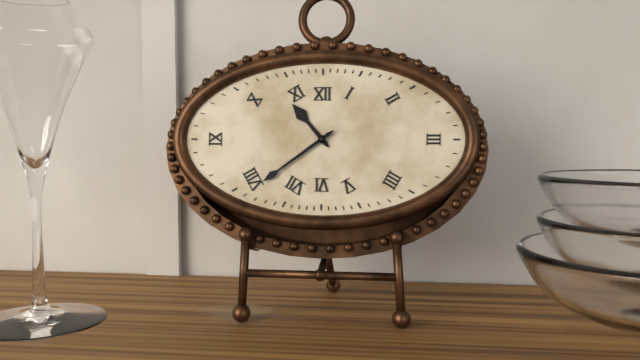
10:39
